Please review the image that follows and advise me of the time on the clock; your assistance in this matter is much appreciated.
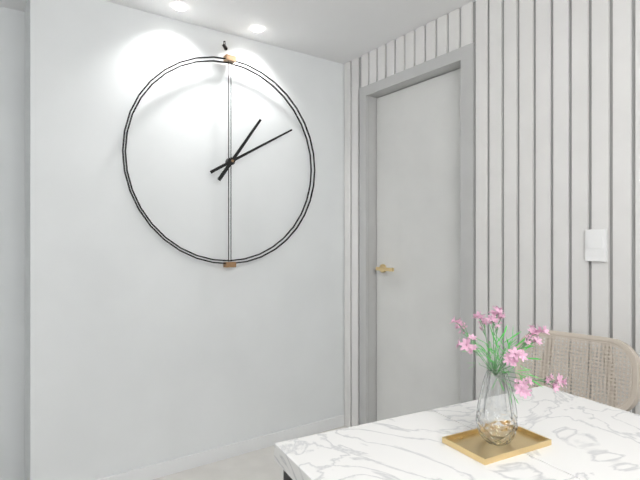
1:10
